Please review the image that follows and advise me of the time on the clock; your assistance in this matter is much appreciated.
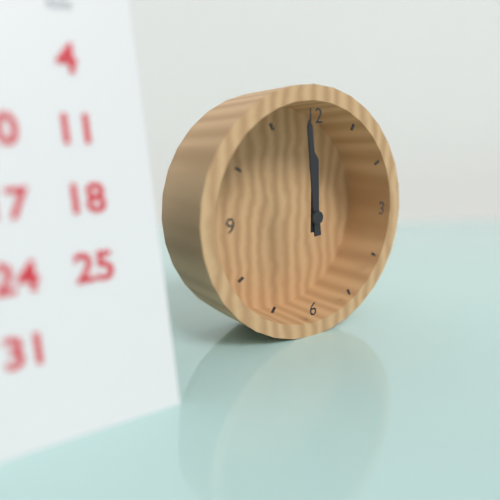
11:59
